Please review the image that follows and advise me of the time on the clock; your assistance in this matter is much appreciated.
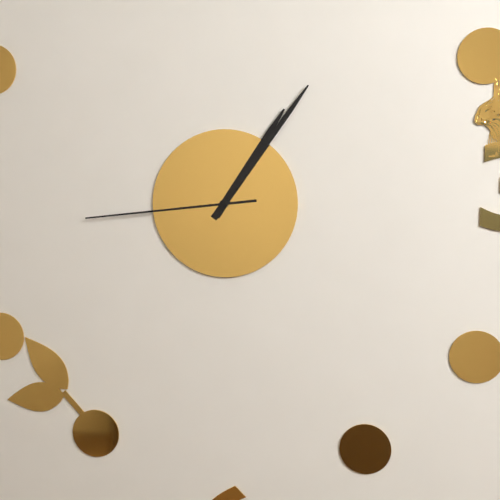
1:06:44
